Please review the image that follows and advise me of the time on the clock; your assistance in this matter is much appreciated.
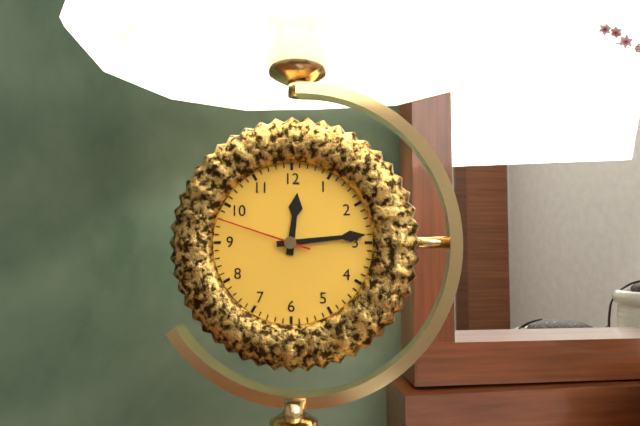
12:14:48
